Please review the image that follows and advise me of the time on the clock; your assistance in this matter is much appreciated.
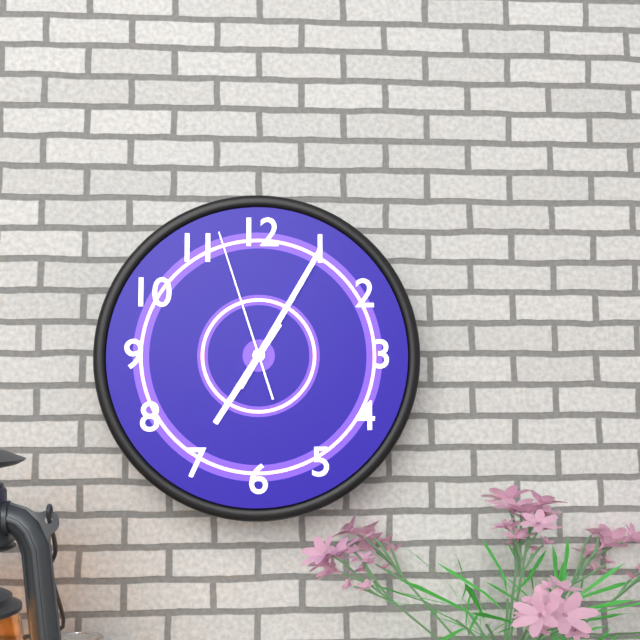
7:05:57
